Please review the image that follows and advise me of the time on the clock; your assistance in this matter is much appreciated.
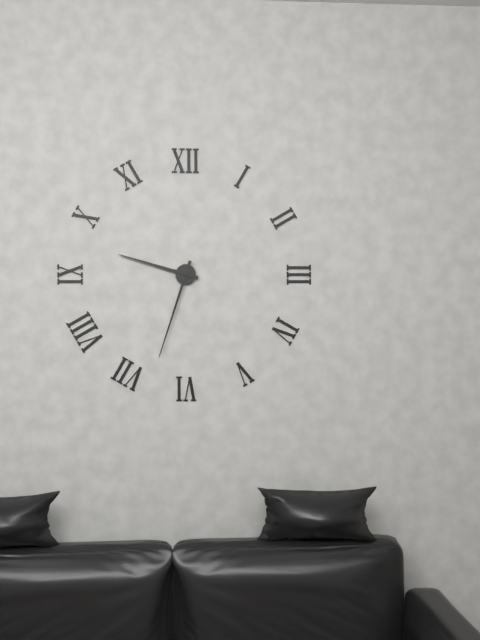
9:33
